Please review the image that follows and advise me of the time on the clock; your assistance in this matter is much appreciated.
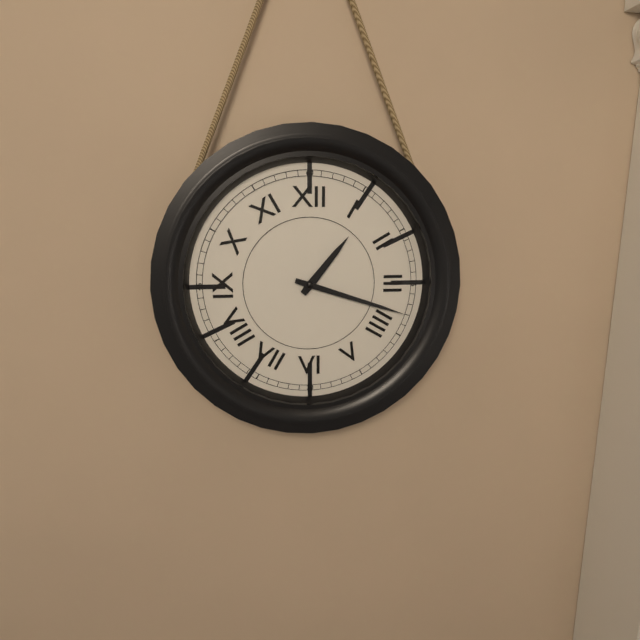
1:18
